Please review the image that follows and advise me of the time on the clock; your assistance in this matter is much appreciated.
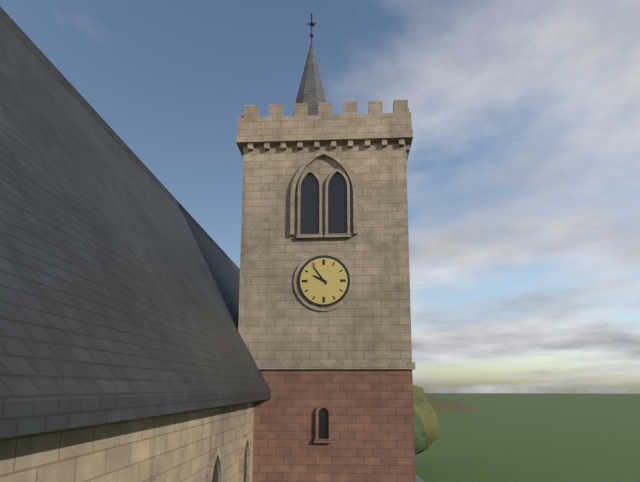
9:54
